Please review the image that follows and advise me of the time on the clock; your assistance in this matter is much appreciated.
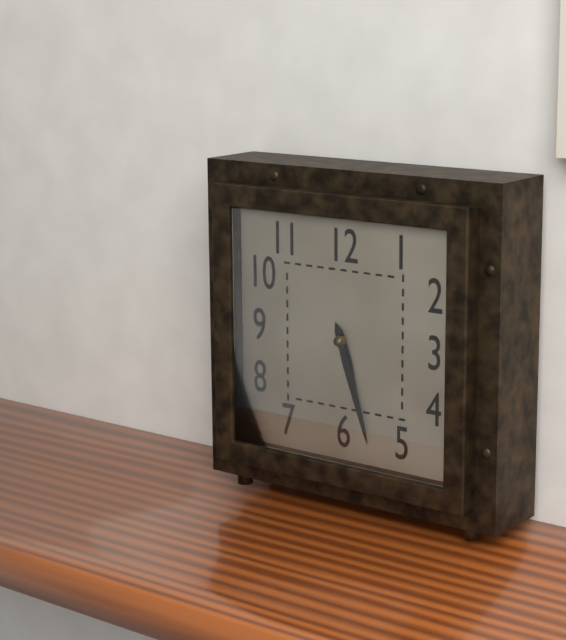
5:27
